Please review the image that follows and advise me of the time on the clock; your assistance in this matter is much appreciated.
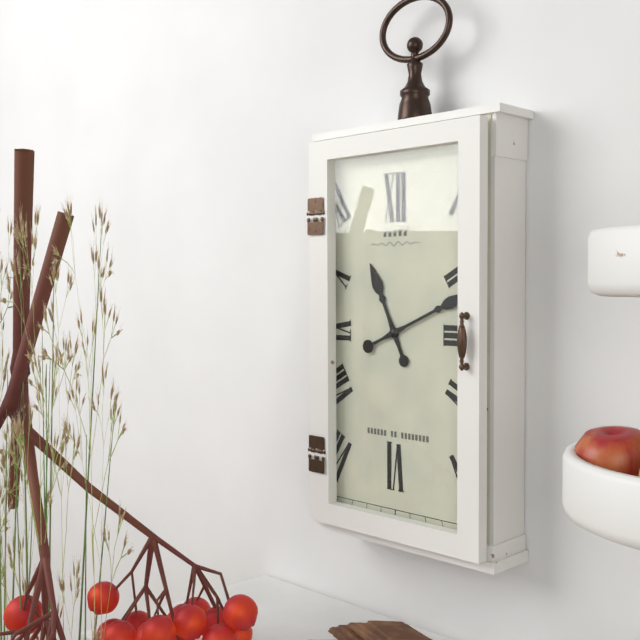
11:11
